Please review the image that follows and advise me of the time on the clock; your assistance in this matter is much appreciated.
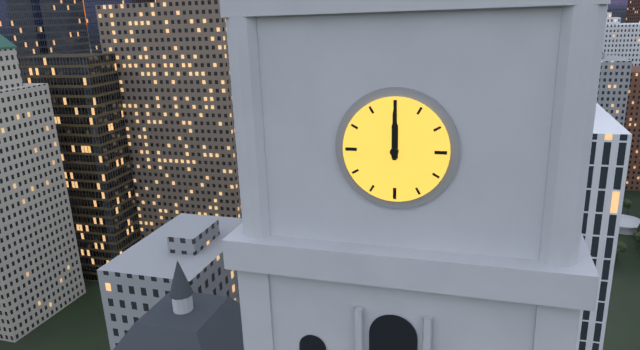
12:00
